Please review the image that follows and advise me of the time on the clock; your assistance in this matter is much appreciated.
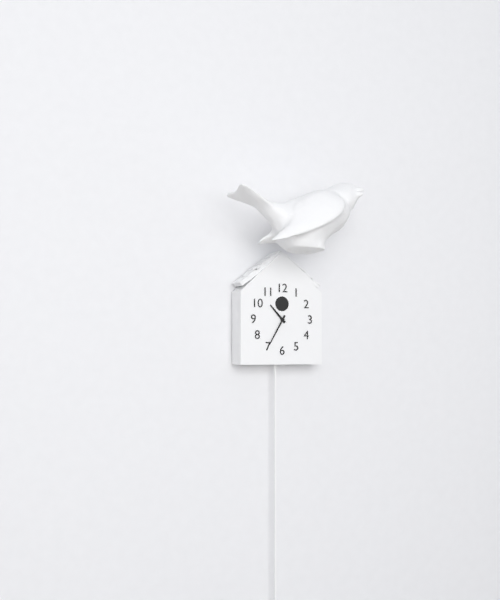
10:35
